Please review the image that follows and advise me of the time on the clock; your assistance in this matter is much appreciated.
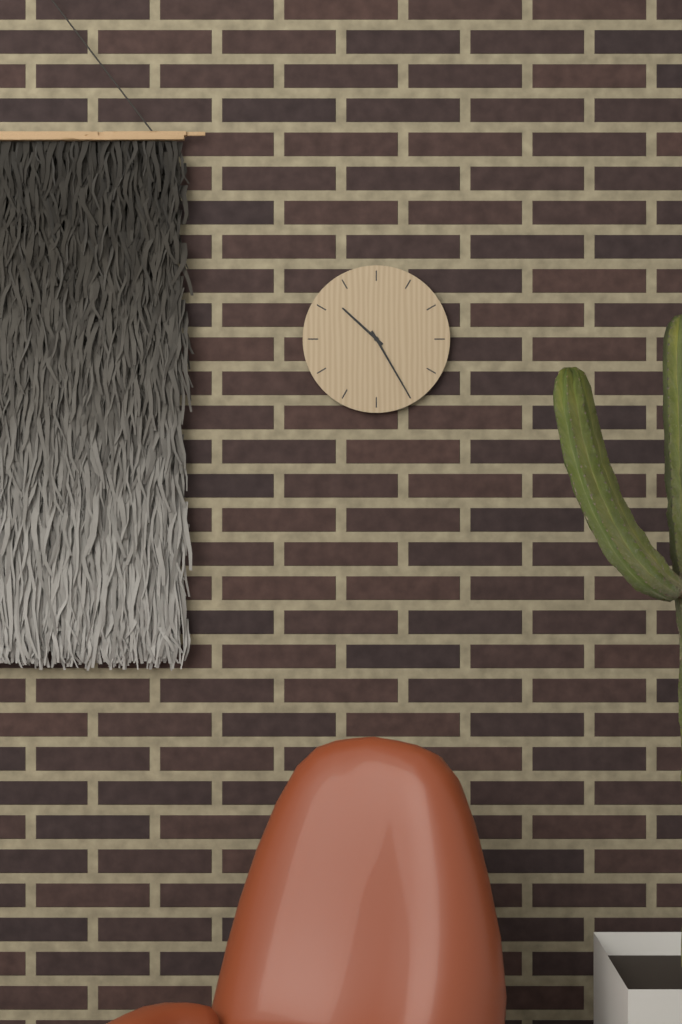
10:25
